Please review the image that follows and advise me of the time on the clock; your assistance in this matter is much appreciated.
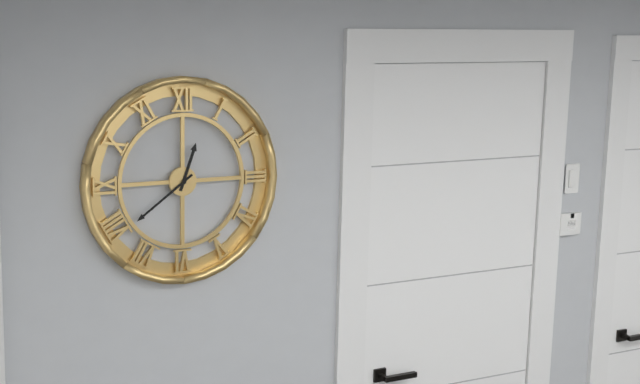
12:39
